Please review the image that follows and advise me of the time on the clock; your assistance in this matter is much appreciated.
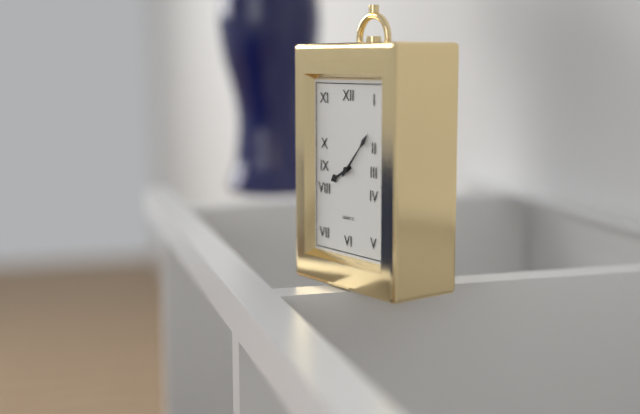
8:07
